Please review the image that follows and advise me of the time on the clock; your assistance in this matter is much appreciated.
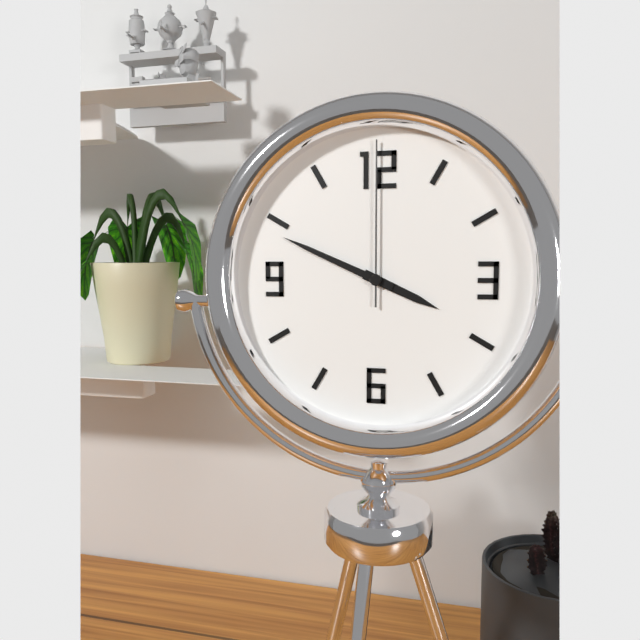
3:49:00
